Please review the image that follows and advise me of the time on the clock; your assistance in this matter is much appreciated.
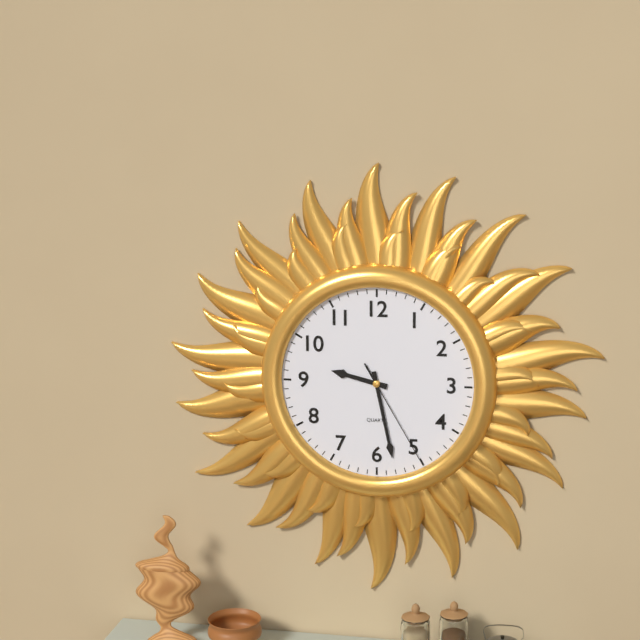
9:28:25
